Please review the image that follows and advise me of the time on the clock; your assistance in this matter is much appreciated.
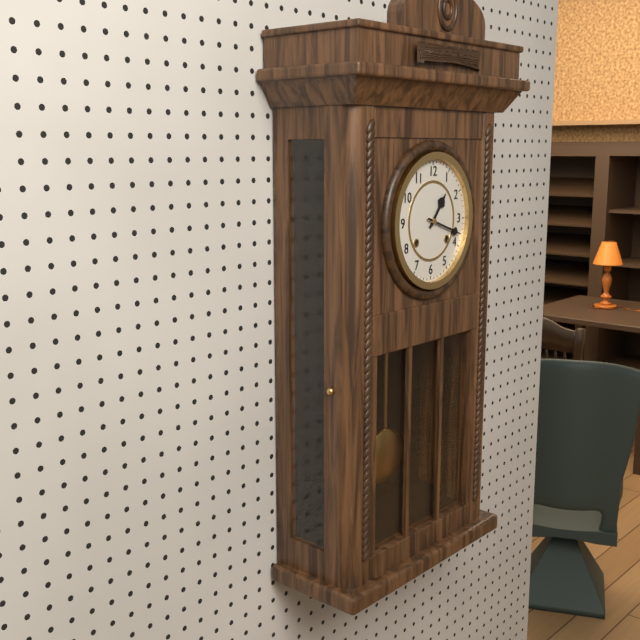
1:18
